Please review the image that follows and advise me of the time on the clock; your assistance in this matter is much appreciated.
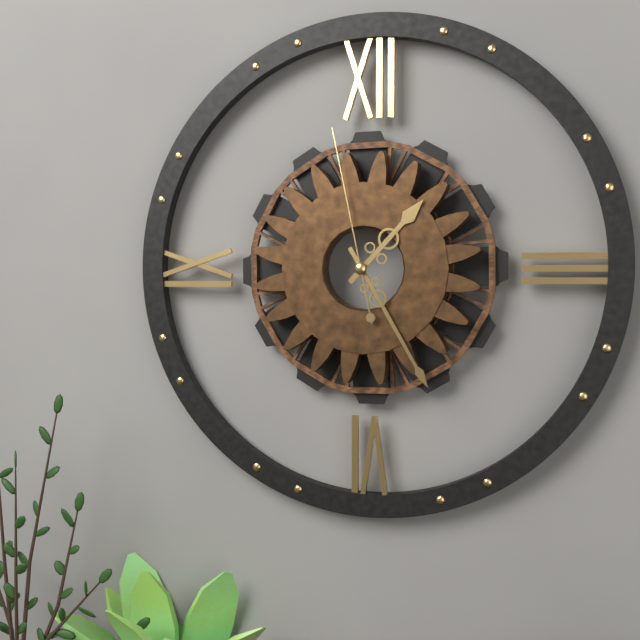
1:25:58
